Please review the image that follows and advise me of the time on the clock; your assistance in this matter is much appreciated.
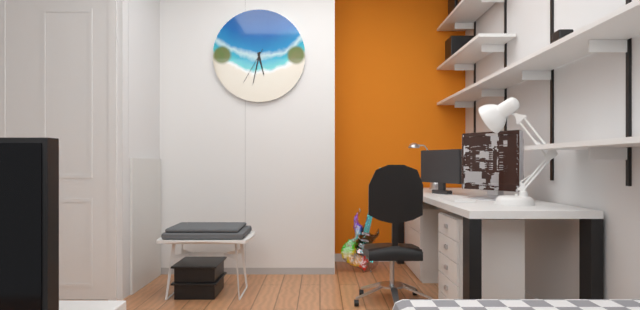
5:32
